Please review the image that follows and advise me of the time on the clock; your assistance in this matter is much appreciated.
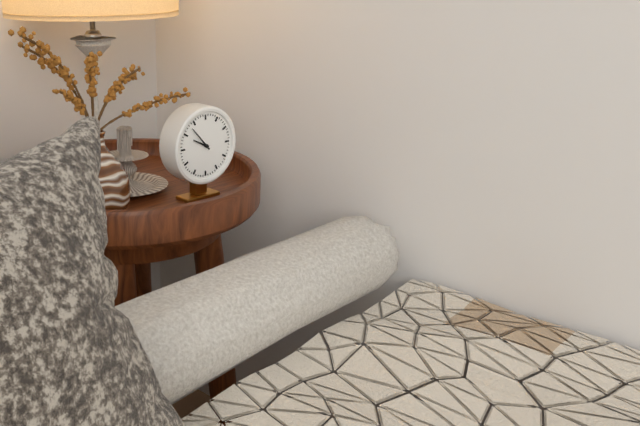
9:53
